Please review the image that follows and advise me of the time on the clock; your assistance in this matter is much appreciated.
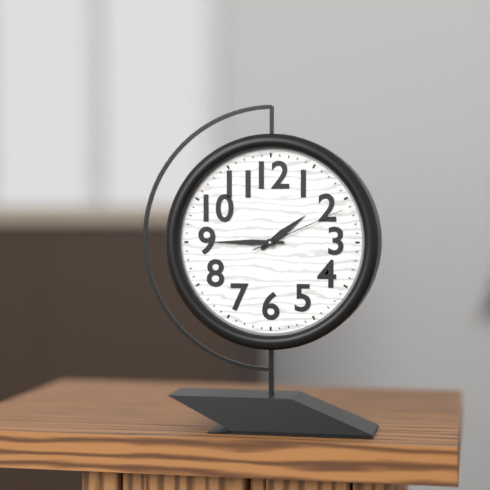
1:45:11
